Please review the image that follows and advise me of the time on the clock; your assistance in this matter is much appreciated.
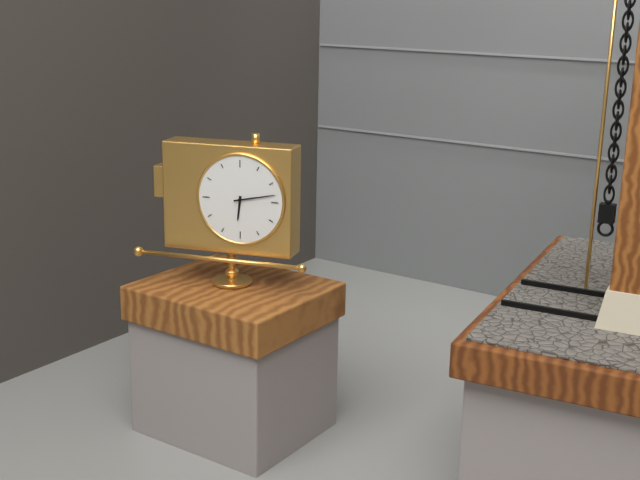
6:13
